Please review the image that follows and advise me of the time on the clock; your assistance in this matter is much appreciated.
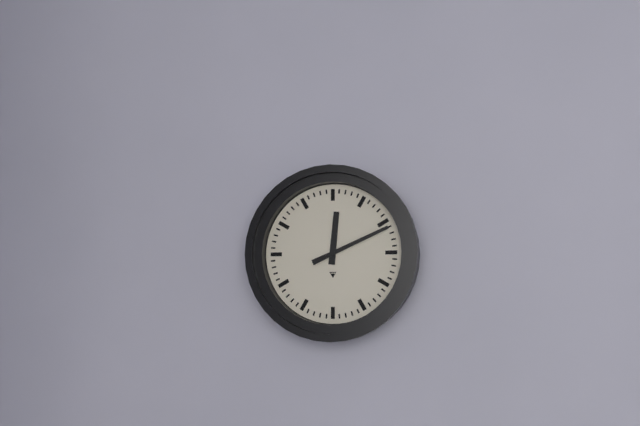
12:11
